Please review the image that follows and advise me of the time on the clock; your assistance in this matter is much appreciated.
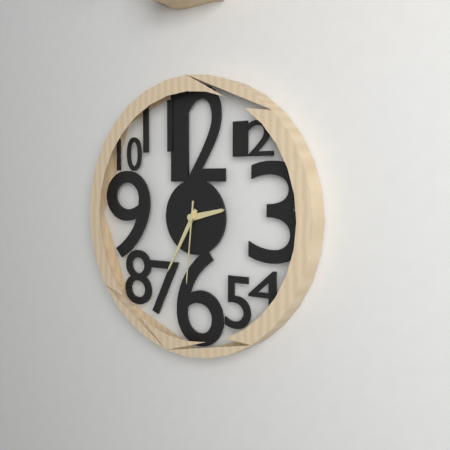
2:35:31
